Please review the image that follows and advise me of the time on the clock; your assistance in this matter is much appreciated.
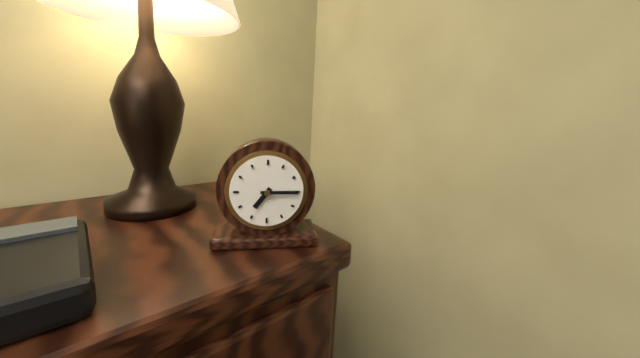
7:15
